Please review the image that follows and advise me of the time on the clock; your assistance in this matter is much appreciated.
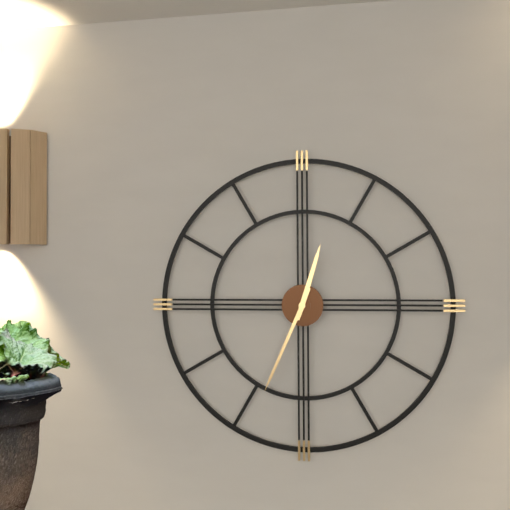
12:34
